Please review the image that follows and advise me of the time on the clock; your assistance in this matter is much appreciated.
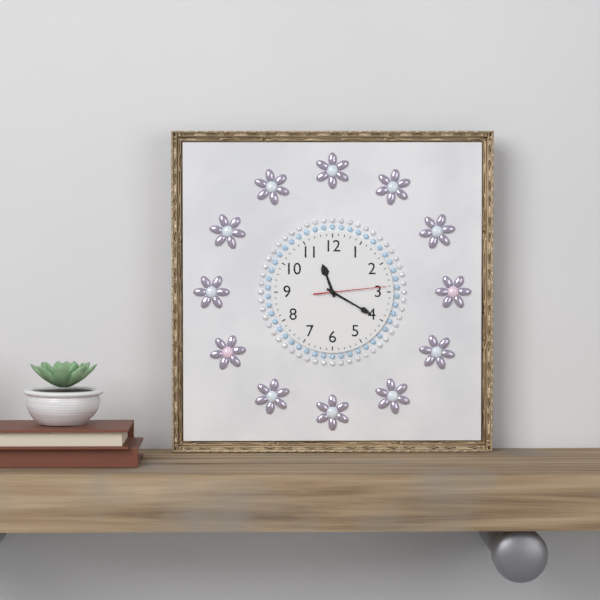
11:20:14
